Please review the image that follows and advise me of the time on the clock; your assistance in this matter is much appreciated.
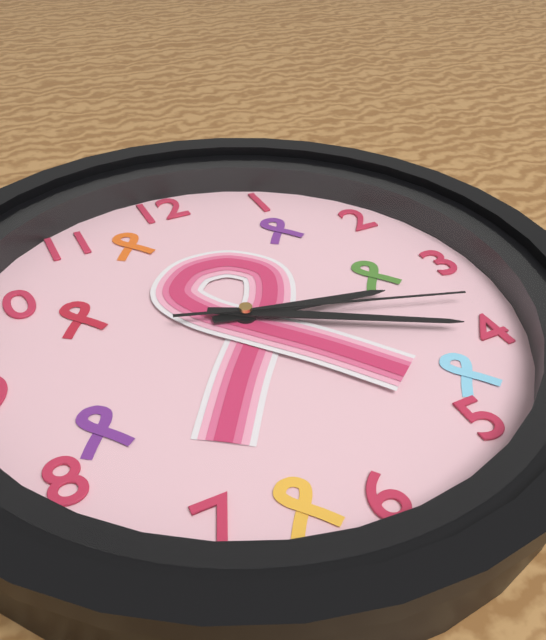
3:20:18
